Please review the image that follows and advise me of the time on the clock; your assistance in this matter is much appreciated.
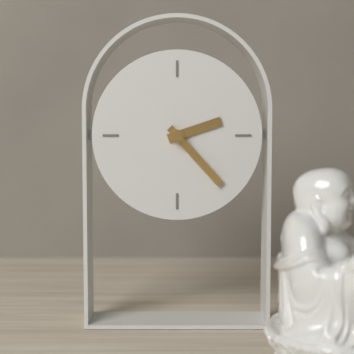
2:23
